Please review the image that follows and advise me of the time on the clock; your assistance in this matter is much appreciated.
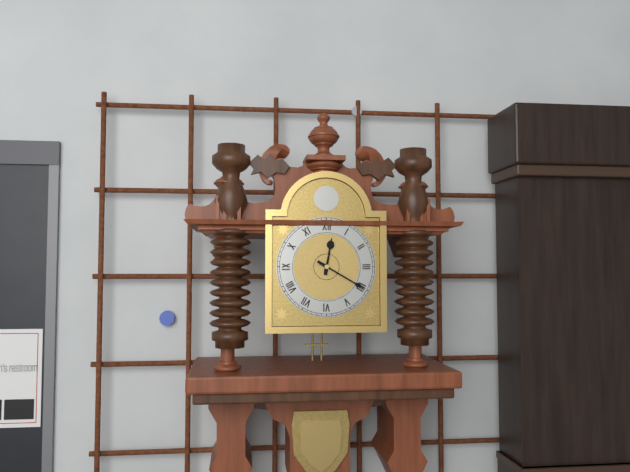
12:20
